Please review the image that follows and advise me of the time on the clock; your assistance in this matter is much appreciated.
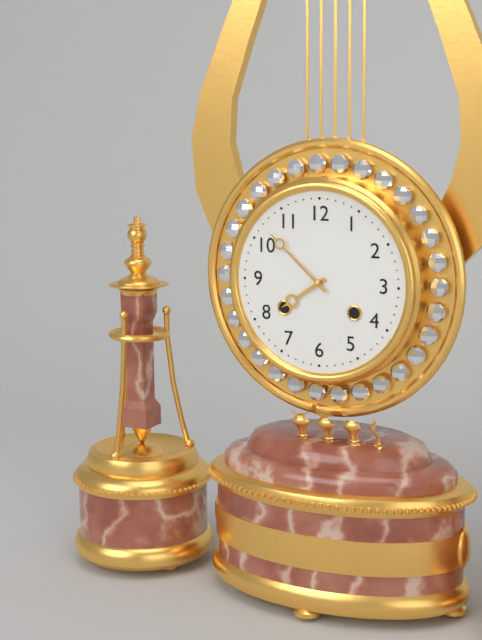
7:52
